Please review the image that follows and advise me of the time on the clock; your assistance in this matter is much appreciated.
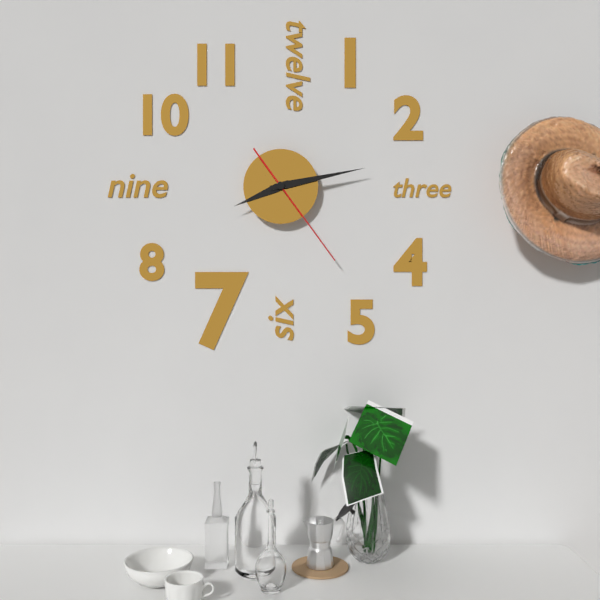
8:13:24
